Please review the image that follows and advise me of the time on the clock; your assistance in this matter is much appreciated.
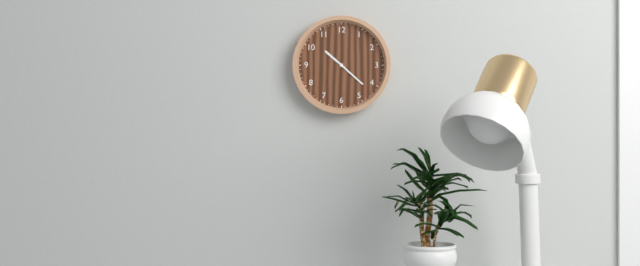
10:22
